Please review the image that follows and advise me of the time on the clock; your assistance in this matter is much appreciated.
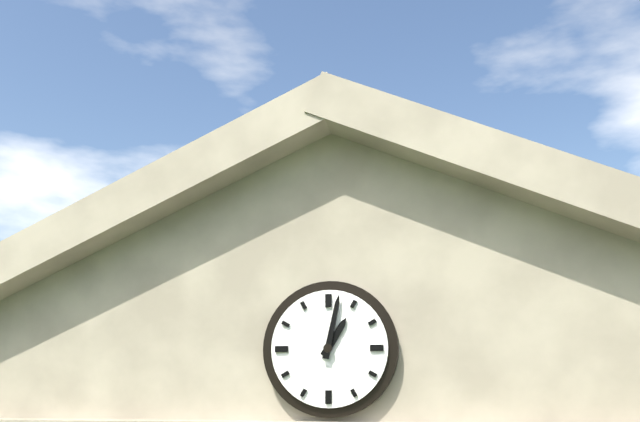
1:02
